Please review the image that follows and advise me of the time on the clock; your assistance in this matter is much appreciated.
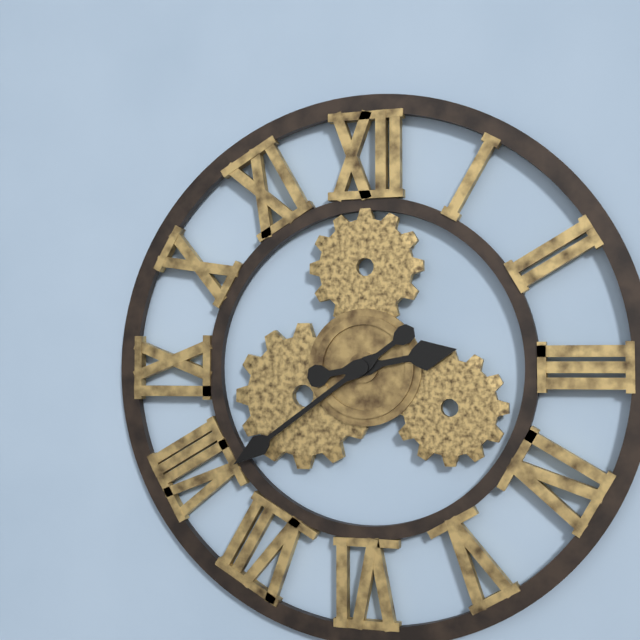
2:39
